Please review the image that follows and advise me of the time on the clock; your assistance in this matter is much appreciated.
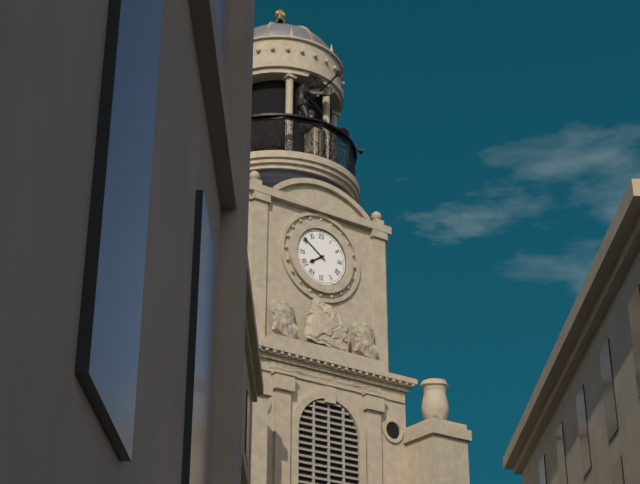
7:51
